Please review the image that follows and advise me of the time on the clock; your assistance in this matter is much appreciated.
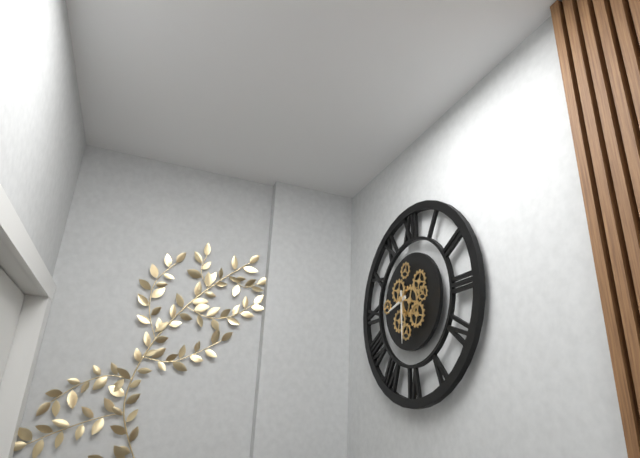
8:30
